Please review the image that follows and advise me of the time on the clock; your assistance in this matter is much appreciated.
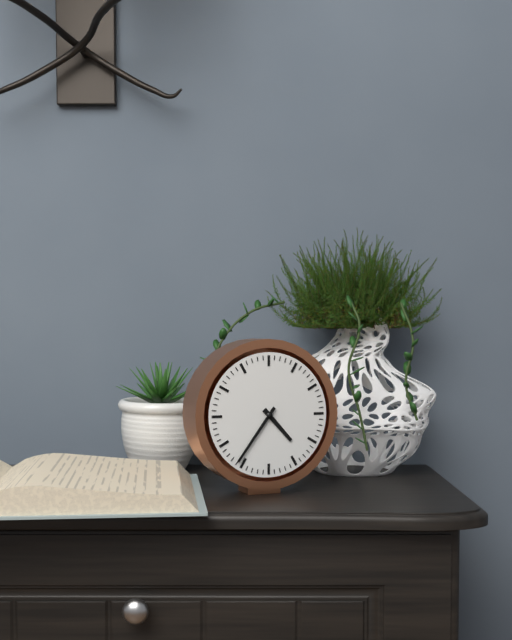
4:36
